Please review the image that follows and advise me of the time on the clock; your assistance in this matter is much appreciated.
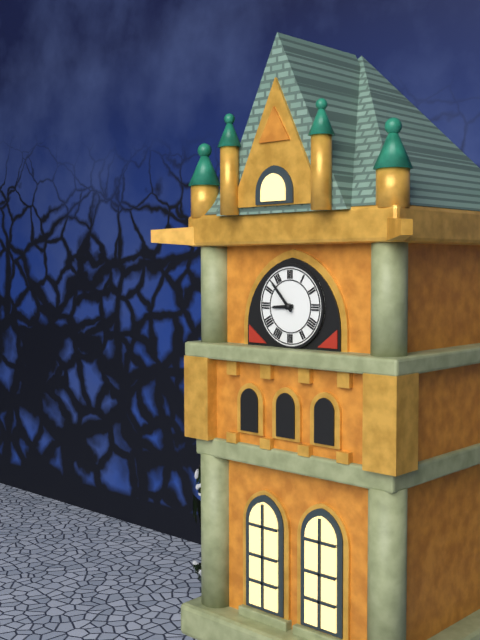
8:53
